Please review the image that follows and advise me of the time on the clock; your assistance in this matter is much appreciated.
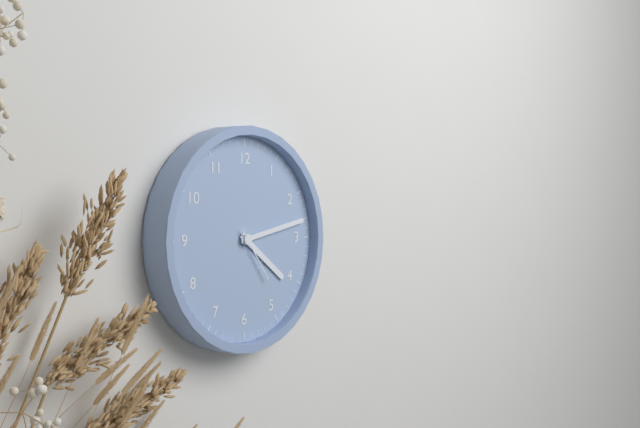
4:13:24
